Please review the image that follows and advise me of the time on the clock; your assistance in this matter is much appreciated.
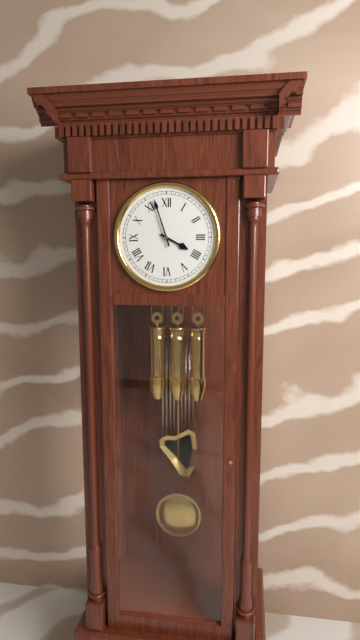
3:57
